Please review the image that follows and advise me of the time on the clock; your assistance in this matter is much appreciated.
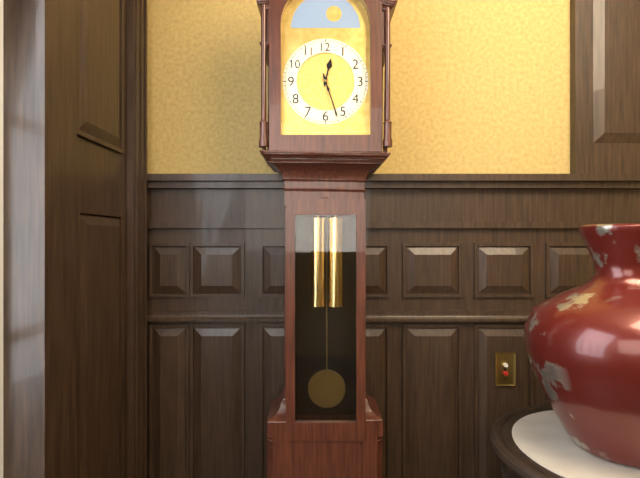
12:27
